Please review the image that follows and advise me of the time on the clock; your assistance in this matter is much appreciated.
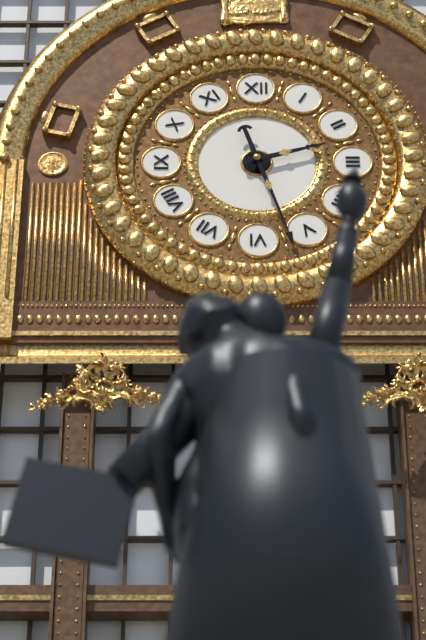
2:27
